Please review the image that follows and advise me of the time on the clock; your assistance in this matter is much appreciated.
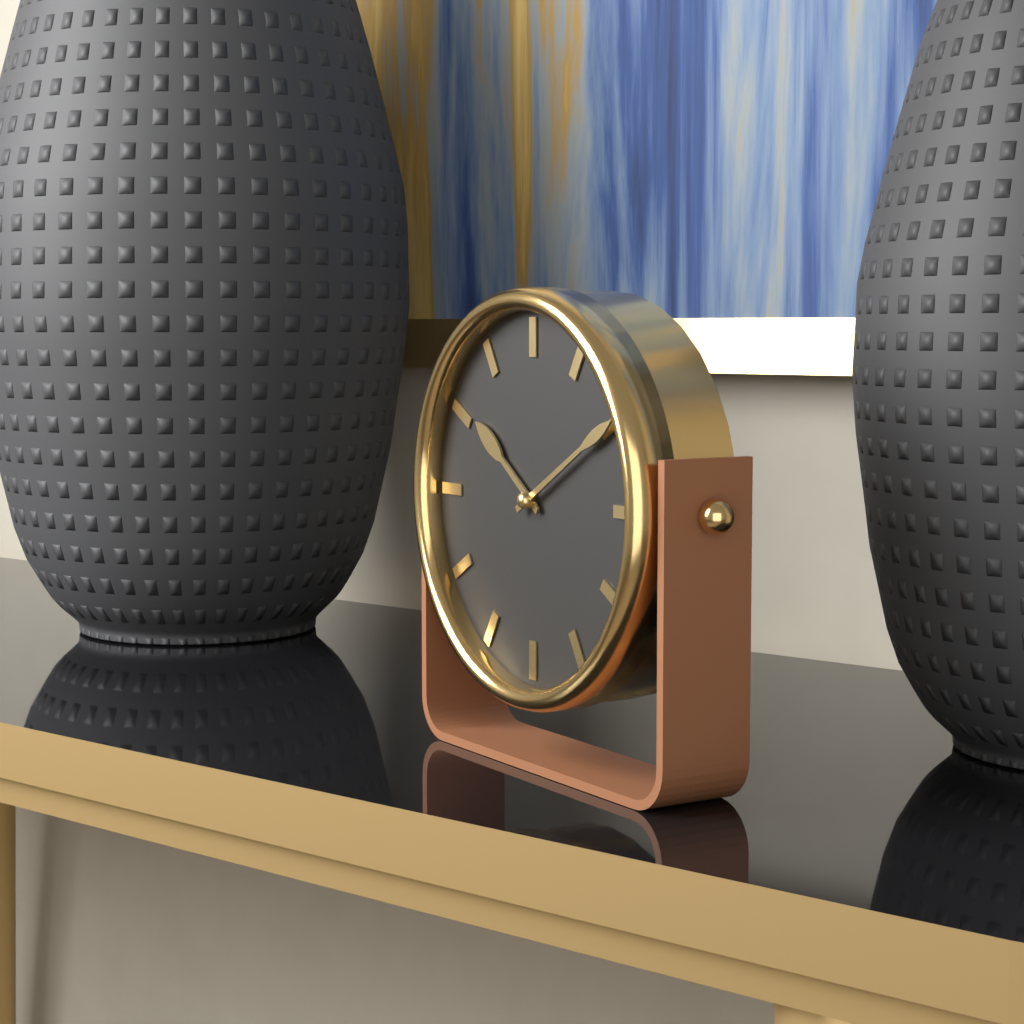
10:10
